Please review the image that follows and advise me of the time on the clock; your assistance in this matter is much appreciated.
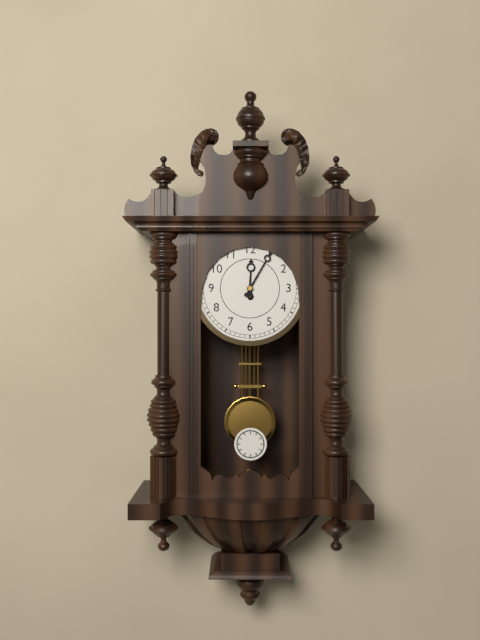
12:05
